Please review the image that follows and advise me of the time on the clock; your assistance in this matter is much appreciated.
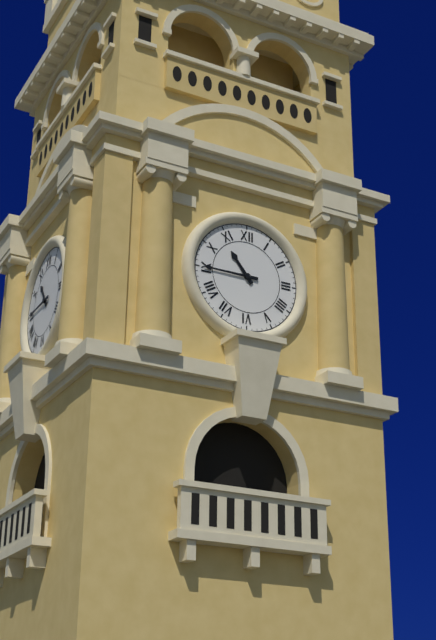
10:45
